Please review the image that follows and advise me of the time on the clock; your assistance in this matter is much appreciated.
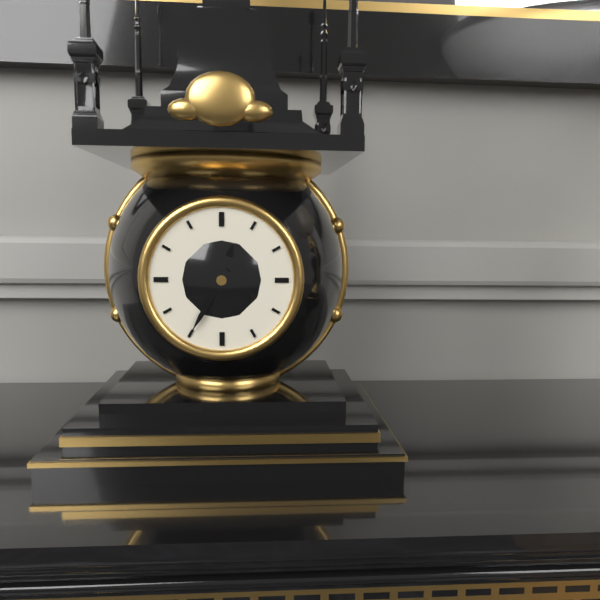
12:35
